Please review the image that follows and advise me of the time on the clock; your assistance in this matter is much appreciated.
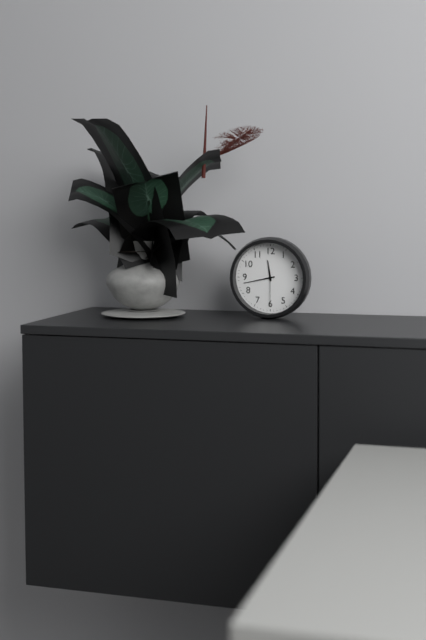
11:43
